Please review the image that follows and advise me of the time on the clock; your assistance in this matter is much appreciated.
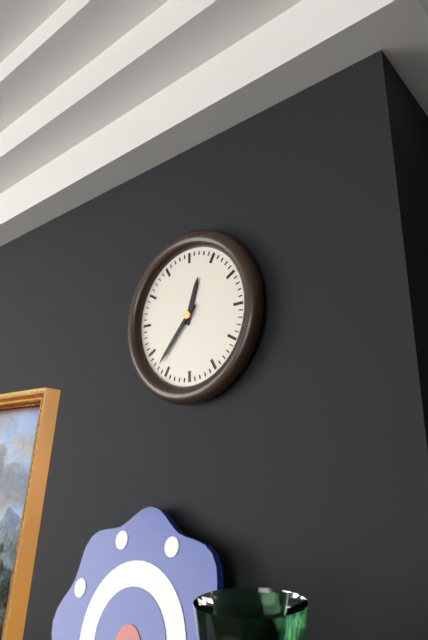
12:37
